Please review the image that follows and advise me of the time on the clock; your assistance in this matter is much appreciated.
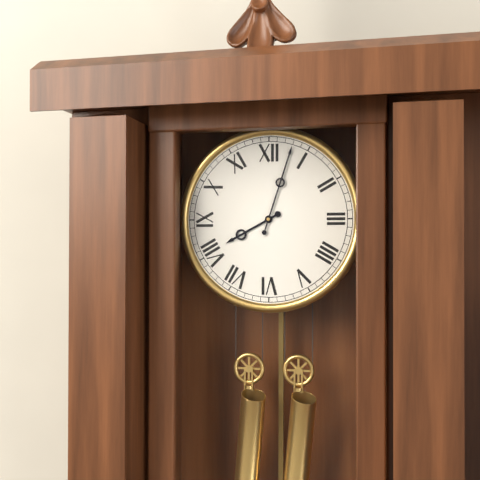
8:03
